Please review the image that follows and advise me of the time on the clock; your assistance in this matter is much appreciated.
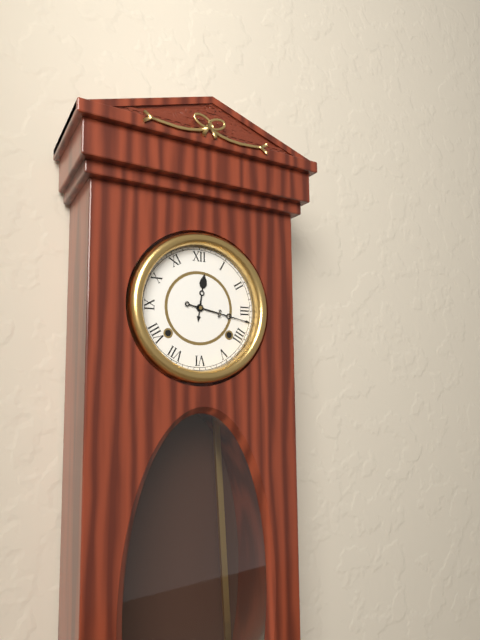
12:17
